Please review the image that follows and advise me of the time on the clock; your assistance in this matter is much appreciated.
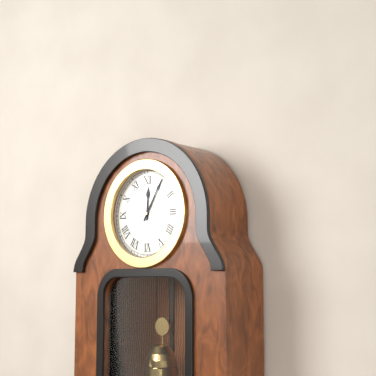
12:05
